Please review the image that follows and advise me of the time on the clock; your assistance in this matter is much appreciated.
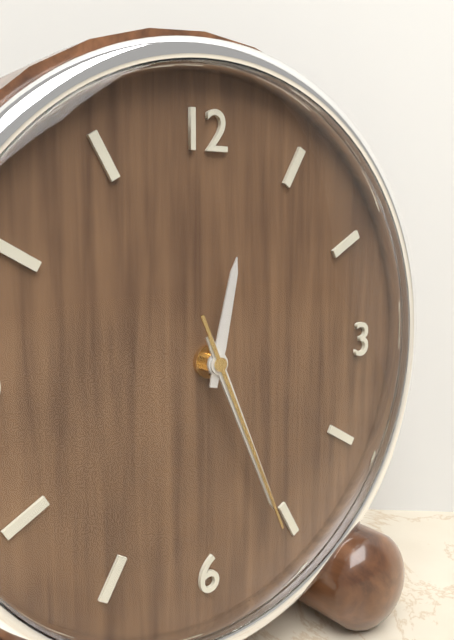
12:26:26
